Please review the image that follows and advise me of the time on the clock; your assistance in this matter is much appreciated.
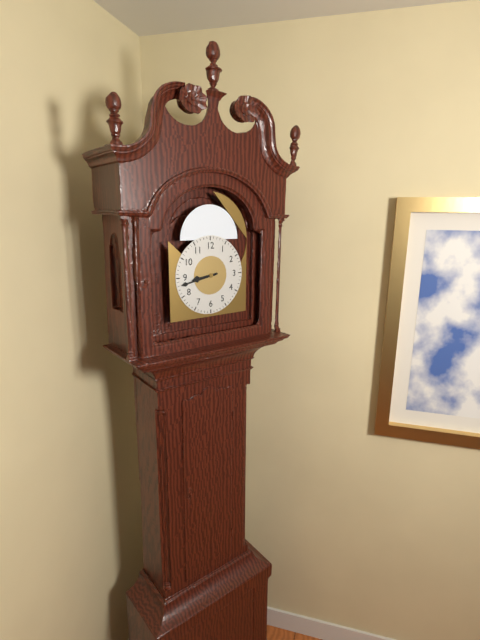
8:43
